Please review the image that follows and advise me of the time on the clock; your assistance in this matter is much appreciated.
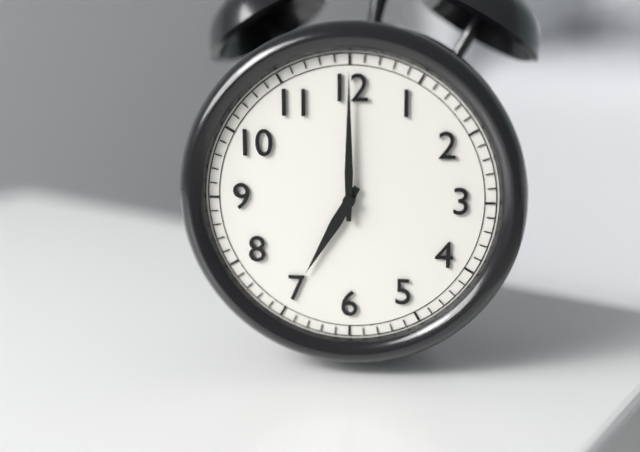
7:00
